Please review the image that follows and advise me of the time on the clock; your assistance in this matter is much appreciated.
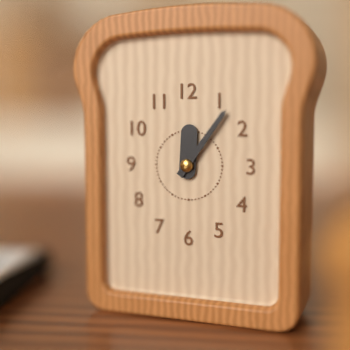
12:06
